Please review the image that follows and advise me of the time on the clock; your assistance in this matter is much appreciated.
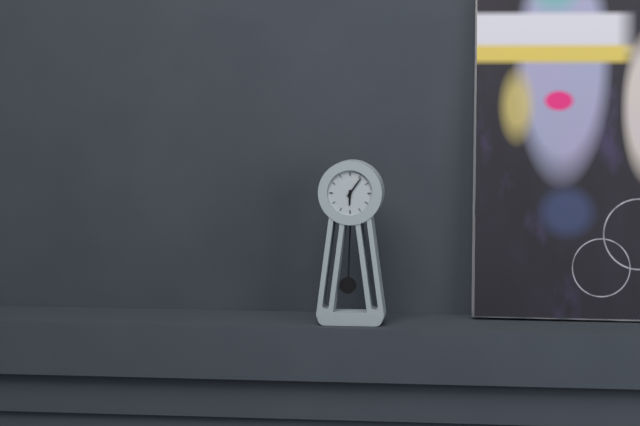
6:06
